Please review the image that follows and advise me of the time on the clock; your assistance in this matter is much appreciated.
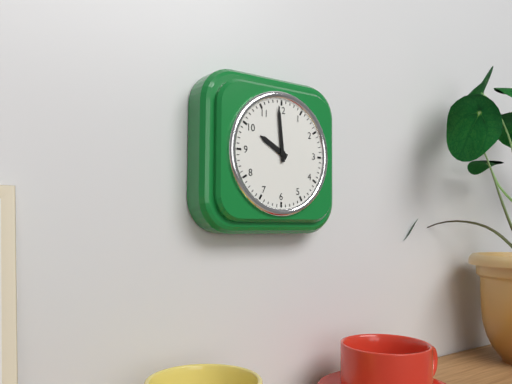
9:59
